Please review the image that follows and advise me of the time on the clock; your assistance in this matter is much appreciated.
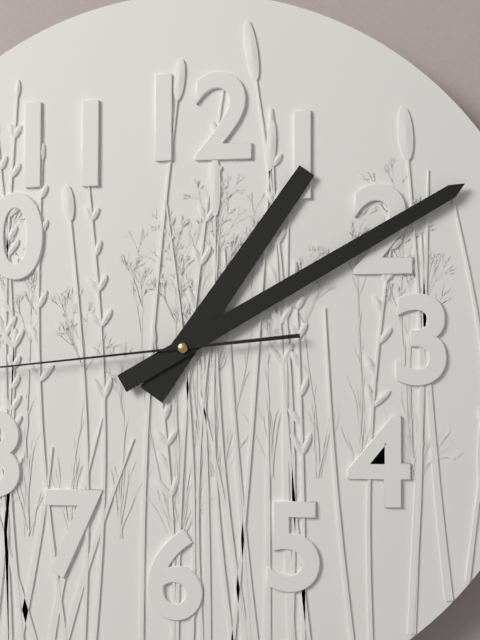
1:10
